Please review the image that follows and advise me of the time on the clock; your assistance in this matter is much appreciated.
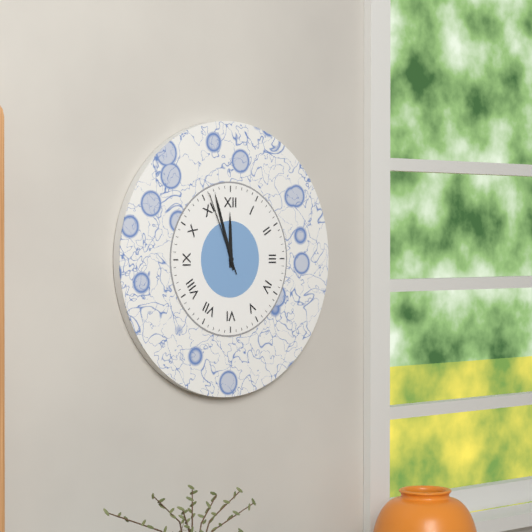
11:57:56
